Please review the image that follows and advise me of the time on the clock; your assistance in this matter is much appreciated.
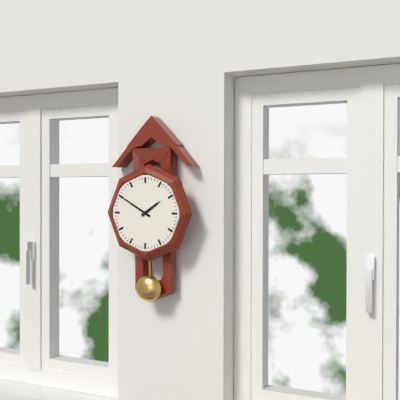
1:50
